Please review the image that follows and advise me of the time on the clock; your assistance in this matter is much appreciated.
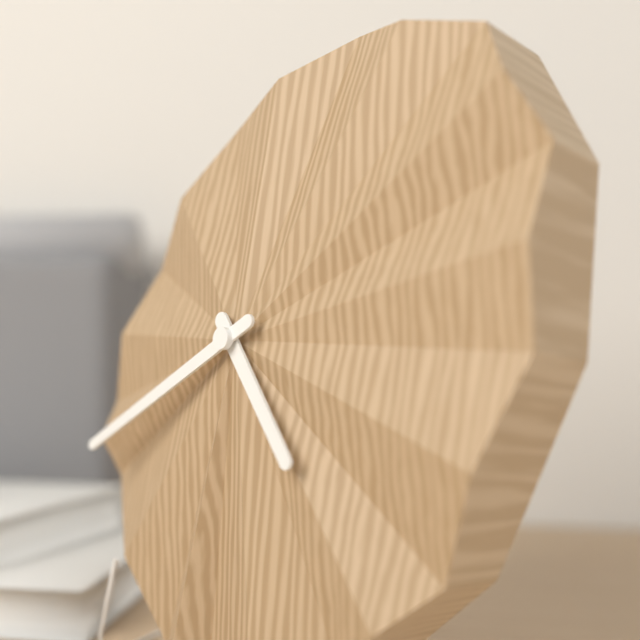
4:40
